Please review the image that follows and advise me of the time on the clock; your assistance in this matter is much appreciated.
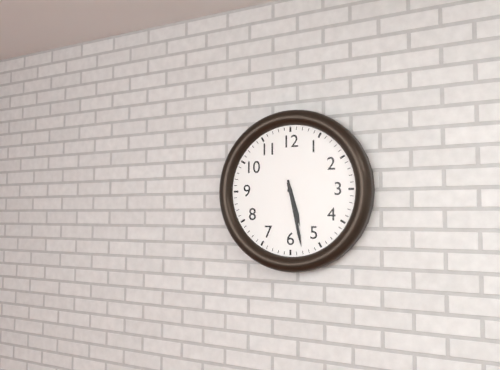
5:28
